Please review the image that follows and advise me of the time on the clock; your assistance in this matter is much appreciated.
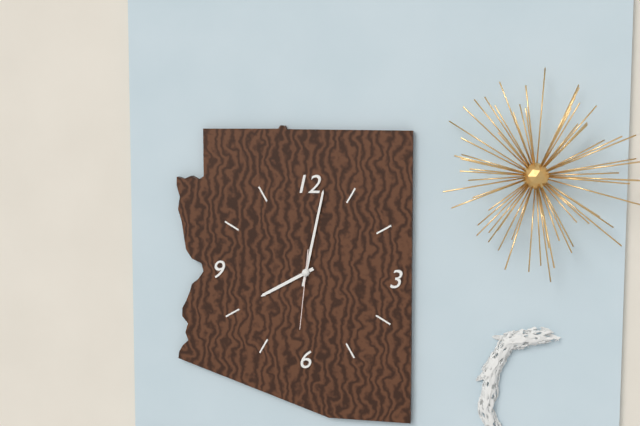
8:02:31
